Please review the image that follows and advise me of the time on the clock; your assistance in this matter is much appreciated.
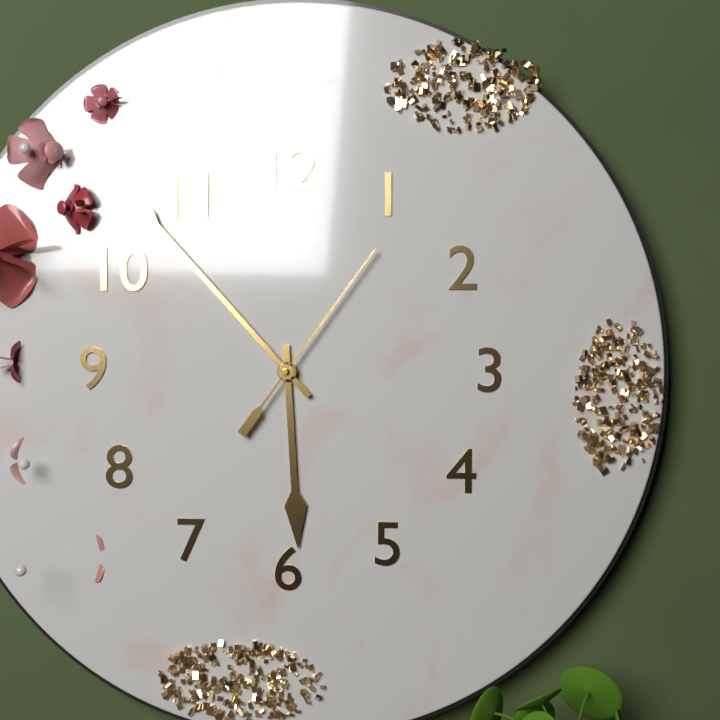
5:53:06
